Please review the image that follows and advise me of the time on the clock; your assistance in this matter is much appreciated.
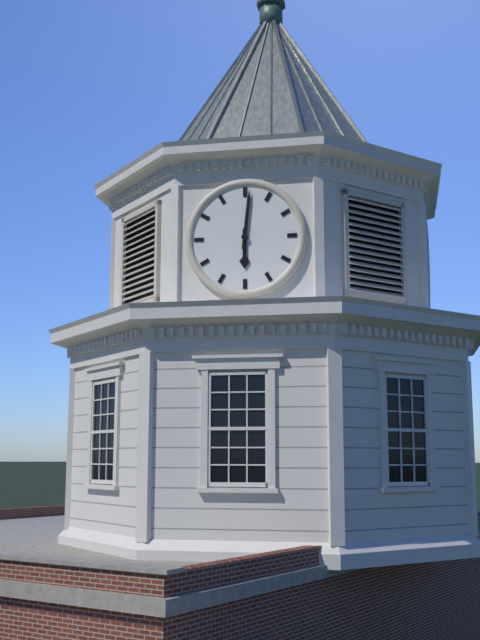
6:01
